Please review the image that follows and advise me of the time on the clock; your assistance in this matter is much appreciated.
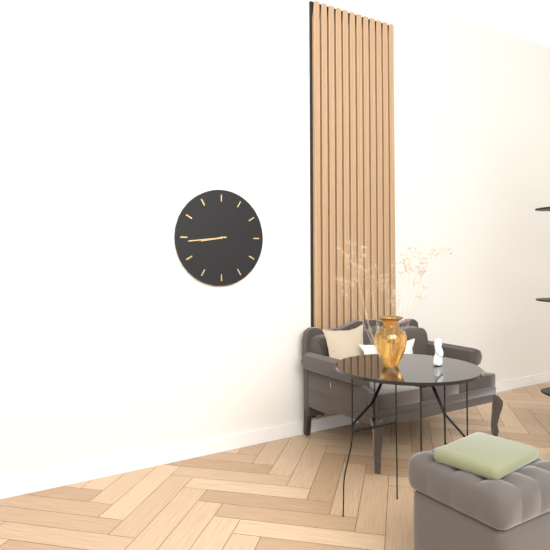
8:44
